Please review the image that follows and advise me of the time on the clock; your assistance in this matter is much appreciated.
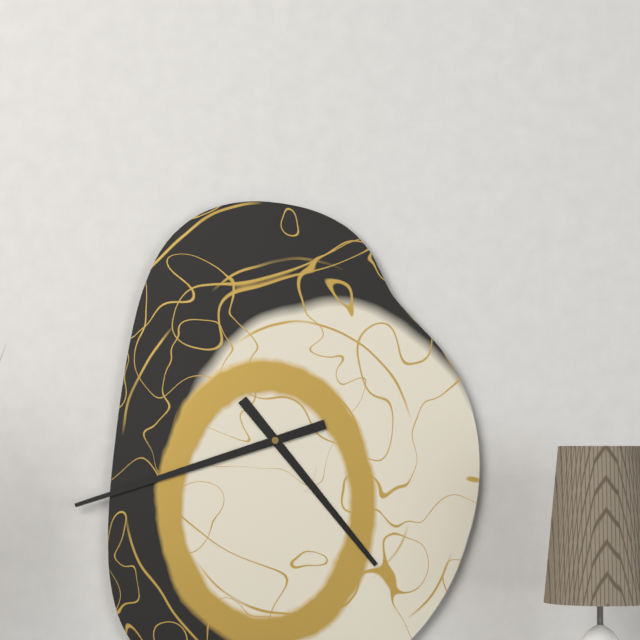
4:42
